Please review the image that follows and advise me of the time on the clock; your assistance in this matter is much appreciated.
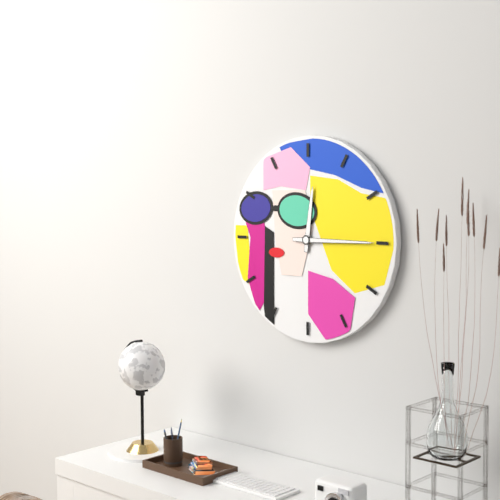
12:15
